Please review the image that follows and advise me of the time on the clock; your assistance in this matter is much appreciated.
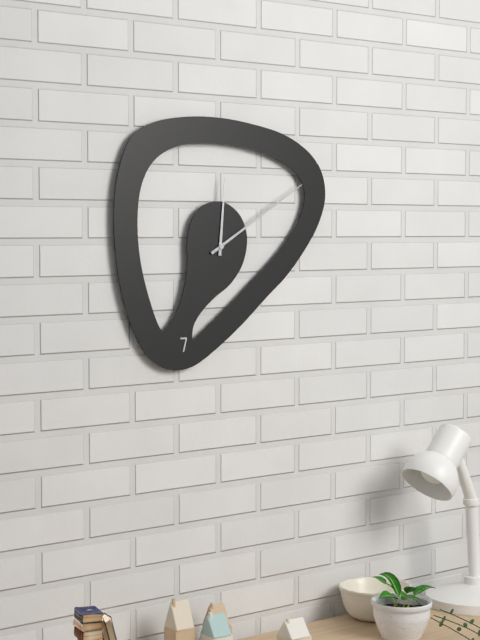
12:10
